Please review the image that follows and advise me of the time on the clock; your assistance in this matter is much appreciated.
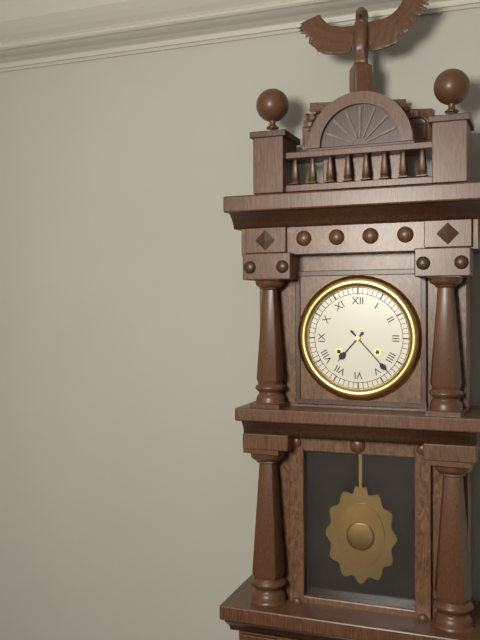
7:23
